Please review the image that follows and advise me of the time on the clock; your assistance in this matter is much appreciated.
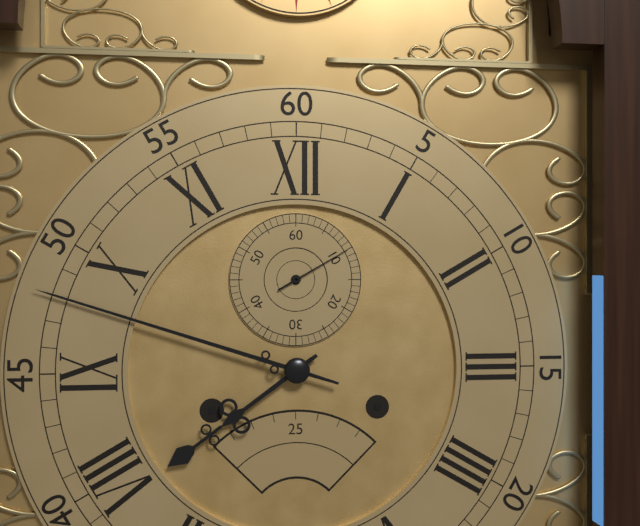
7:48:10
